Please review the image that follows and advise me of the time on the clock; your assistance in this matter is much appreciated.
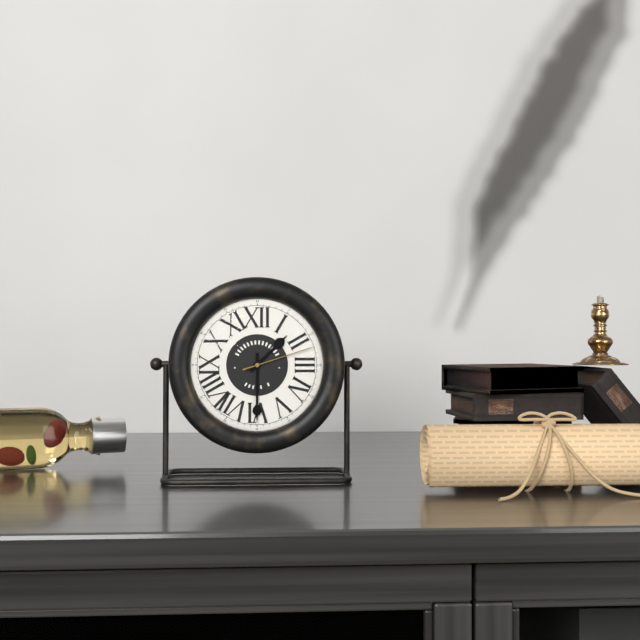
1:30:12
